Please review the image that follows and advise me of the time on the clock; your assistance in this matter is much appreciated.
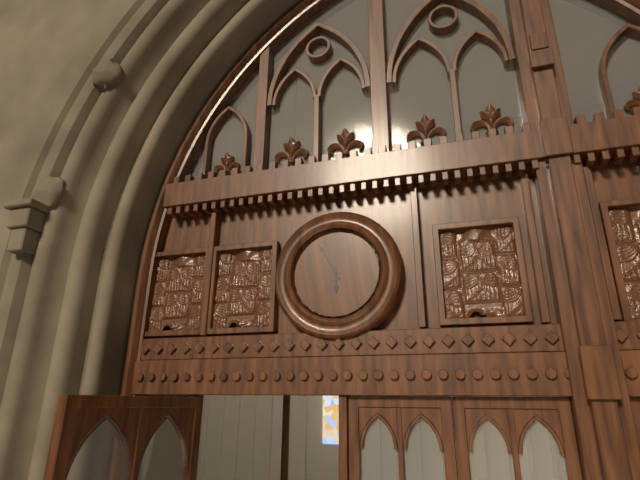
5:55
